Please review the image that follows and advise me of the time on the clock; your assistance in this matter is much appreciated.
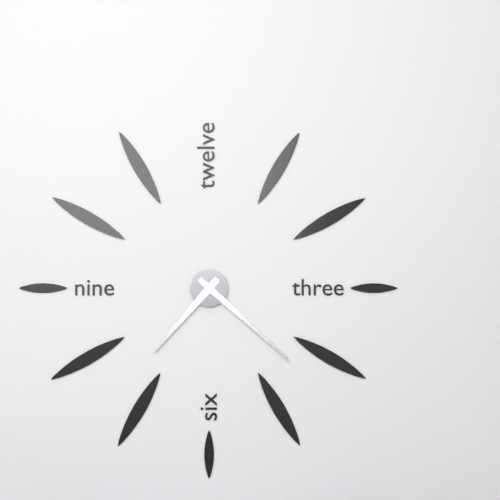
7:22
